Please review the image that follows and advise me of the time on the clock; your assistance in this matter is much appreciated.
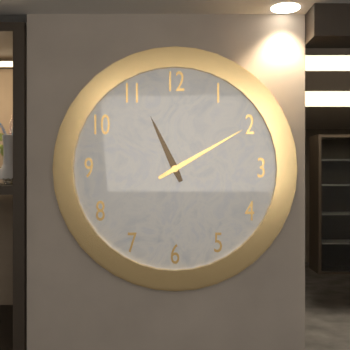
11:10
